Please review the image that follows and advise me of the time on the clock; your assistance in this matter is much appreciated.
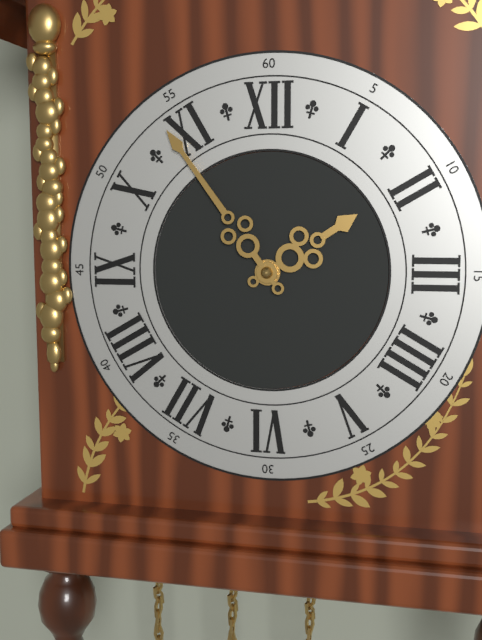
1:54
